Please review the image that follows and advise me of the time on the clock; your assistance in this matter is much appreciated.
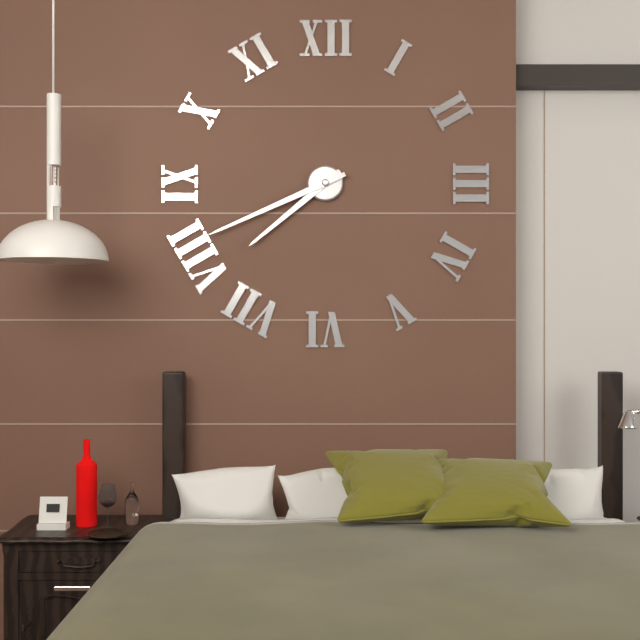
7:41
